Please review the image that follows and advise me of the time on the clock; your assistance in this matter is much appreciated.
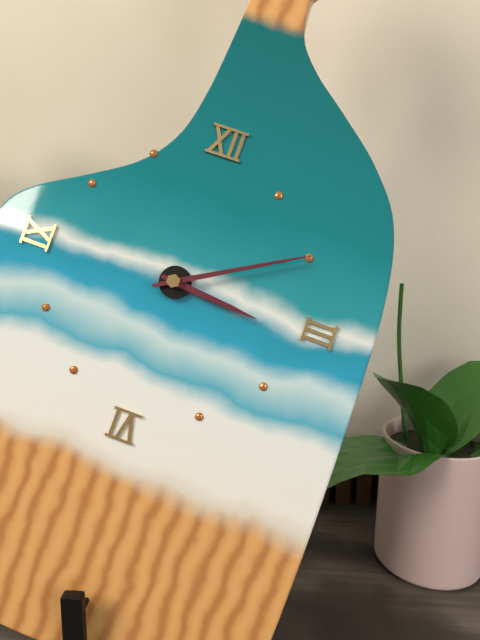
3:10
